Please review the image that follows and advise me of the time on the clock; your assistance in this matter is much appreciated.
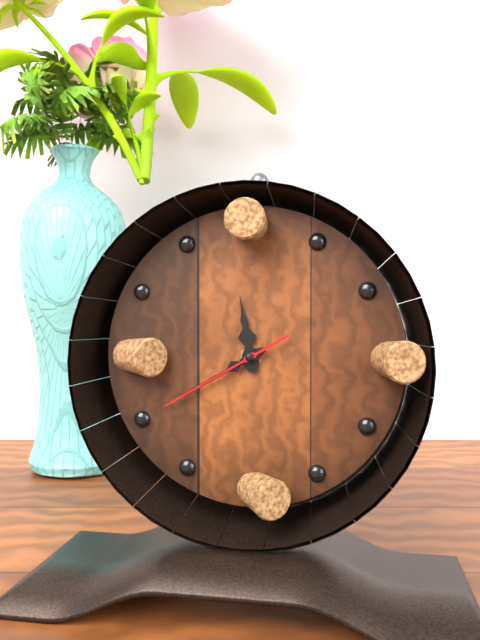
11:40:40
